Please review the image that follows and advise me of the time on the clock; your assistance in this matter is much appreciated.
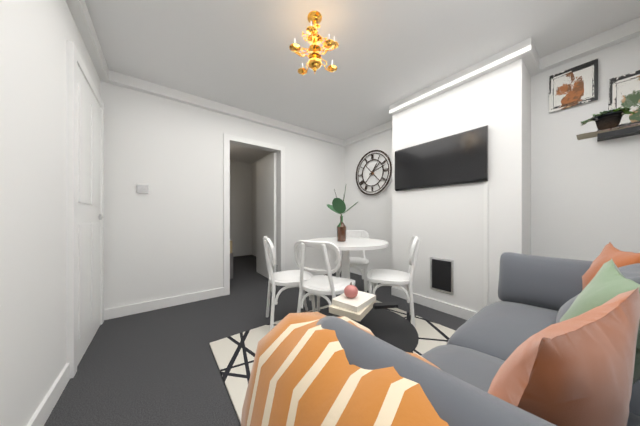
1:12
